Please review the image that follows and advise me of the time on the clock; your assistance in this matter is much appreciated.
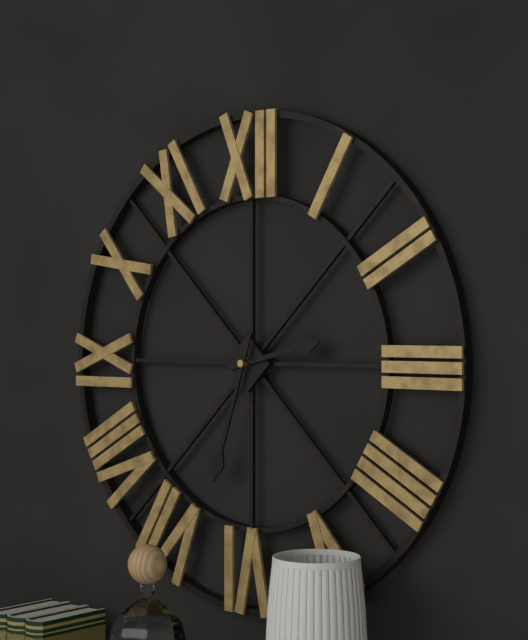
2:33
